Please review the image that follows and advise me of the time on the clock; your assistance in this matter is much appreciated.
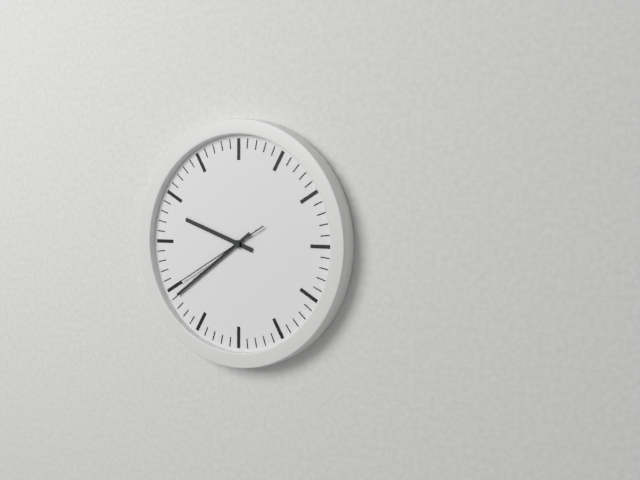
9:39:40
